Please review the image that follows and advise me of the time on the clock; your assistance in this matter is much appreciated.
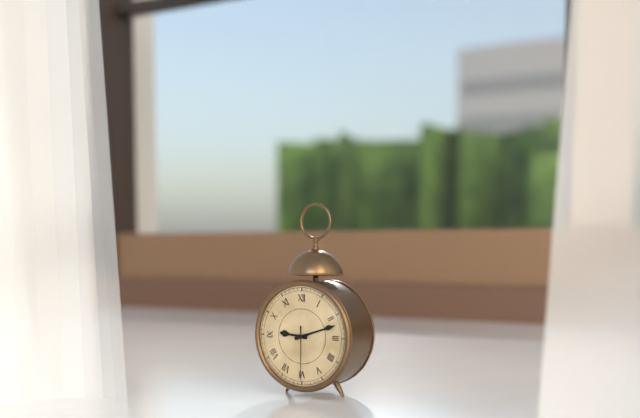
9:12:30
